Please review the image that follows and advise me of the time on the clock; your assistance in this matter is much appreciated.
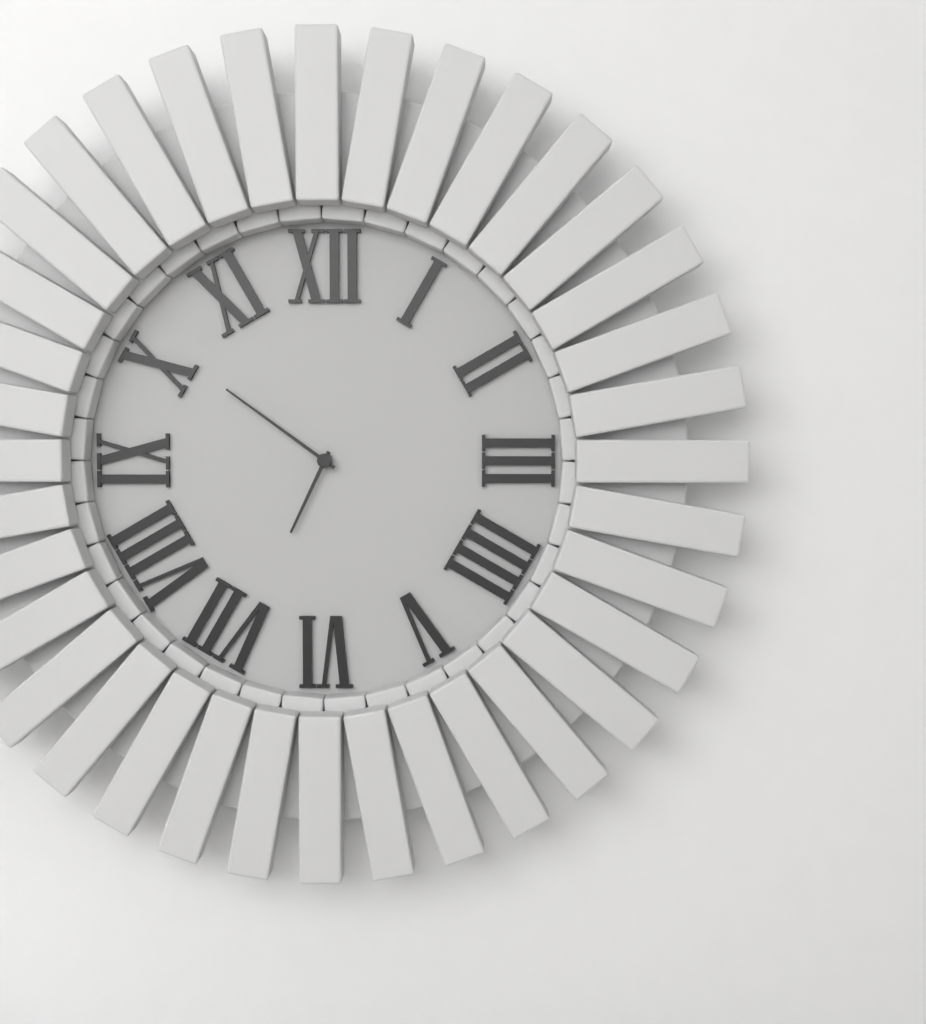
6:51
